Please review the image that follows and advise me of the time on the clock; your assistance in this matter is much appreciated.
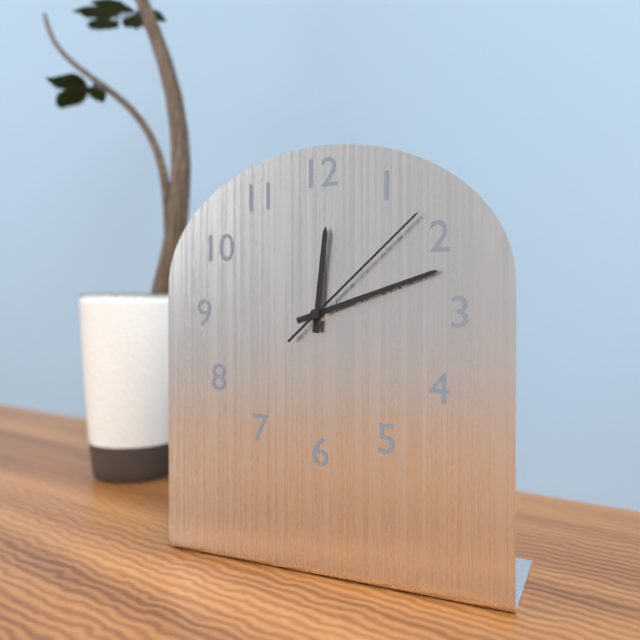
12:12:08
